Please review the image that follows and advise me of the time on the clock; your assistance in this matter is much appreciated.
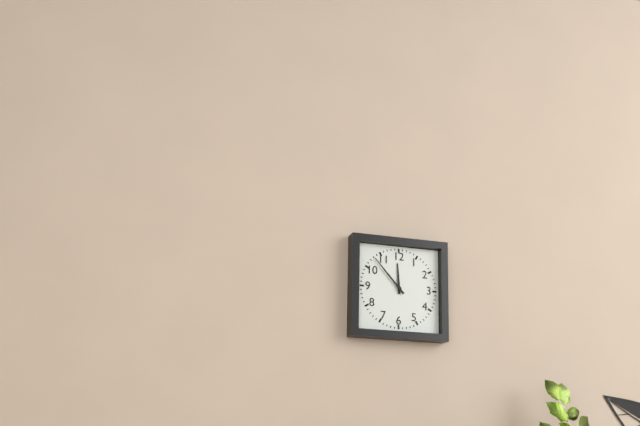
11:53
